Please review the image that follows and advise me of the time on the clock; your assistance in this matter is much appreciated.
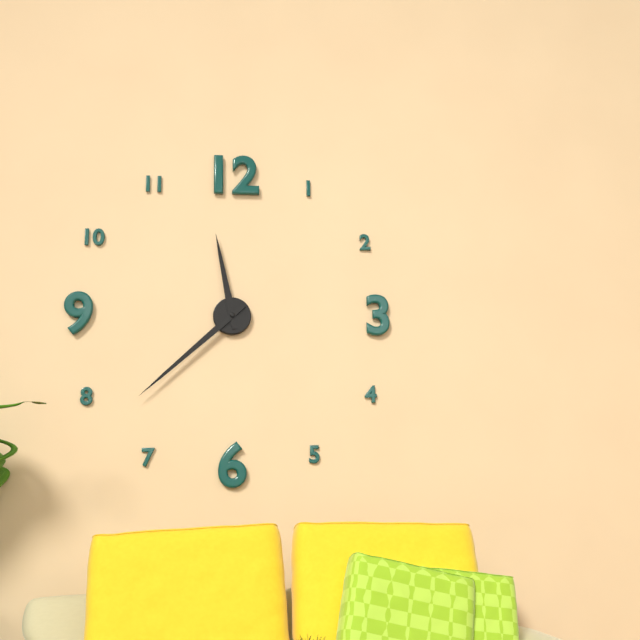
11:38
